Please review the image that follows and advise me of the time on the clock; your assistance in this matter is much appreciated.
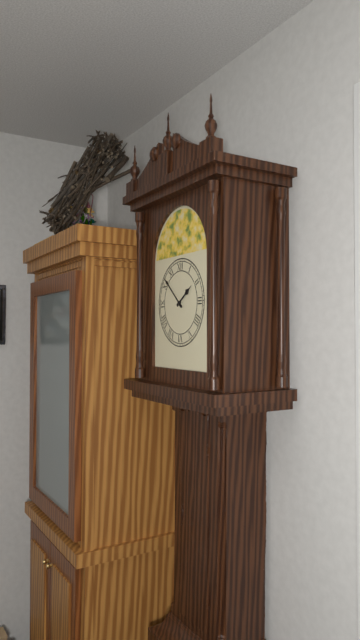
1:52
